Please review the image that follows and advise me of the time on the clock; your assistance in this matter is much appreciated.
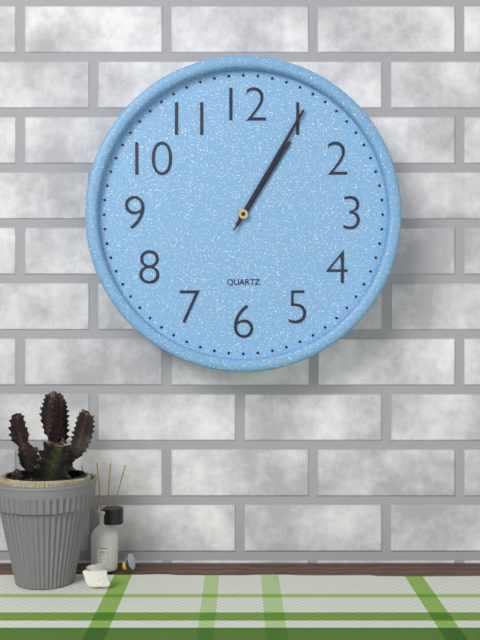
1:05:05
